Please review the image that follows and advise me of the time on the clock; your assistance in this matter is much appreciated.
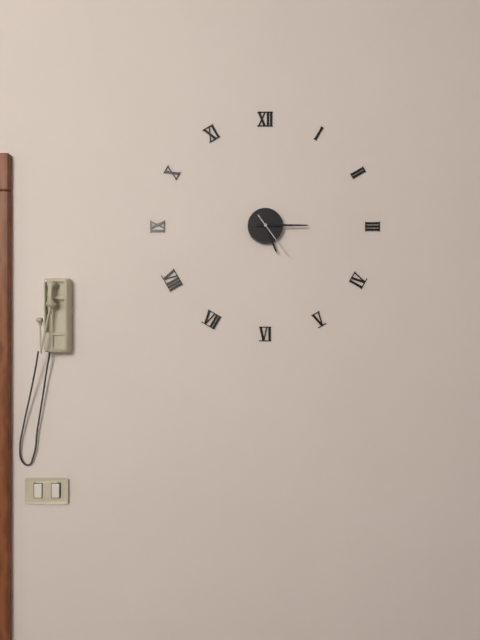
5:15
